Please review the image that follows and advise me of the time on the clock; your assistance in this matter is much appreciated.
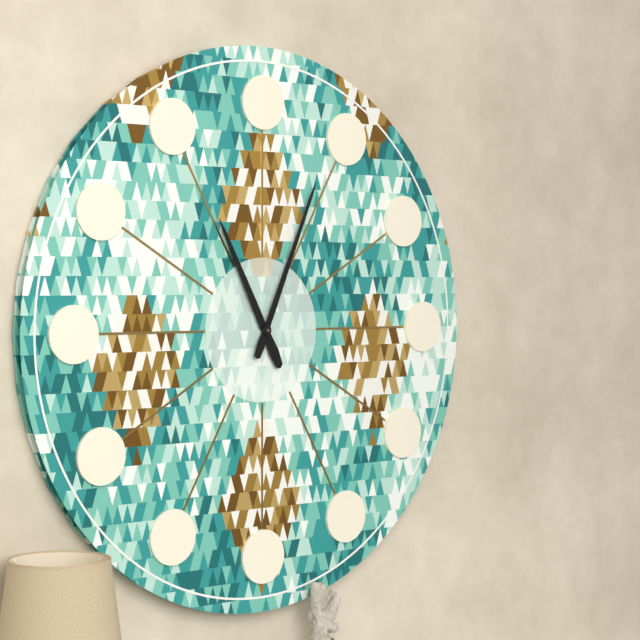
11:04
